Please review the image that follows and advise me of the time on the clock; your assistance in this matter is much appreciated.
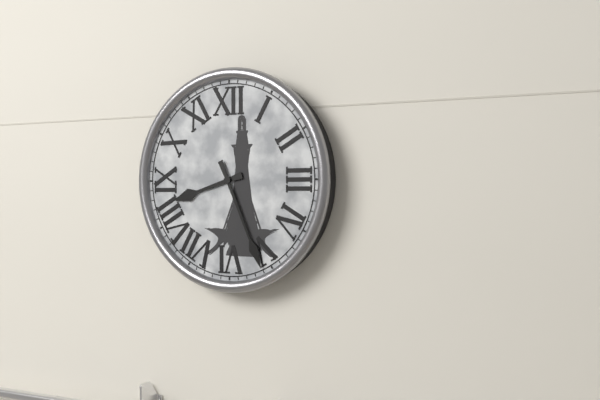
8:26
